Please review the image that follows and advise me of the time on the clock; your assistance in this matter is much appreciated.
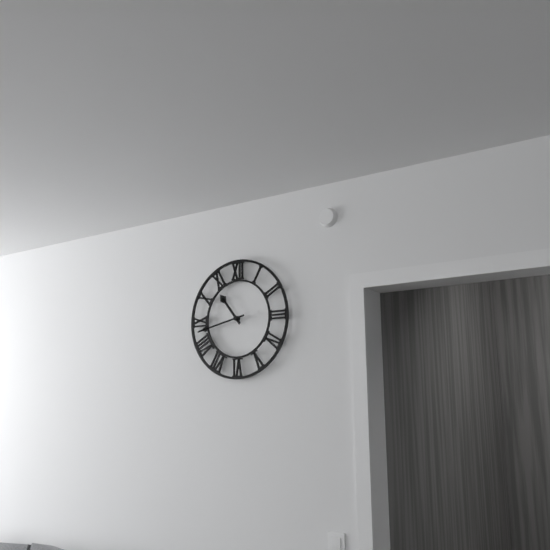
10:43
